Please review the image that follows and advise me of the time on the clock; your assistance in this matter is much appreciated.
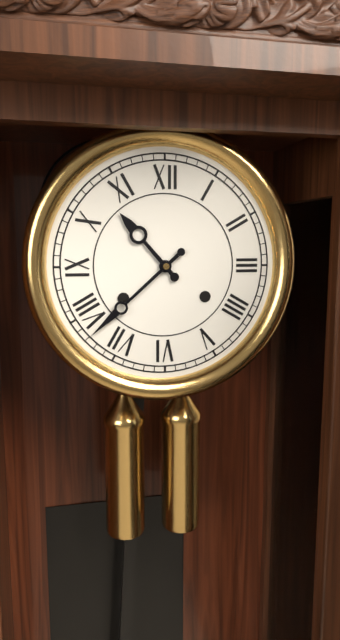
10:38
